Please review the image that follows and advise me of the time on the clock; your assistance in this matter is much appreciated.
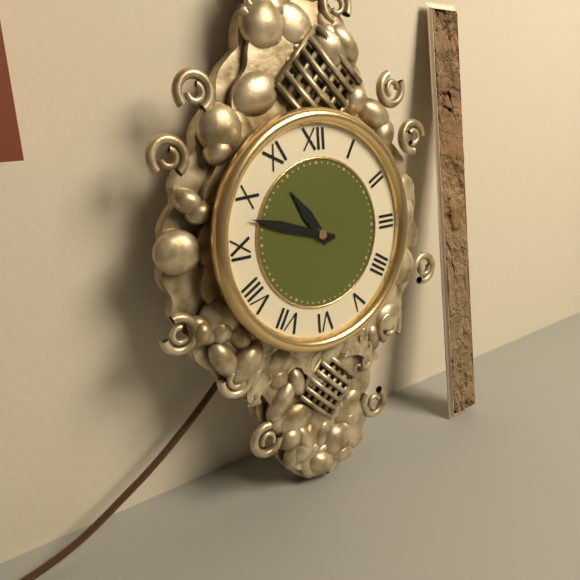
10:48
